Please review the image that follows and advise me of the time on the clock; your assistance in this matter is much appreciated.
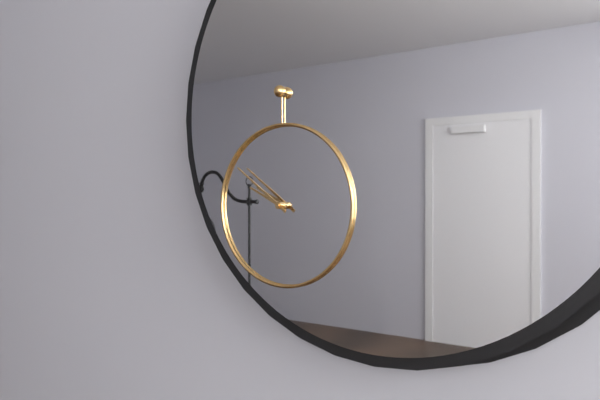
9:51
